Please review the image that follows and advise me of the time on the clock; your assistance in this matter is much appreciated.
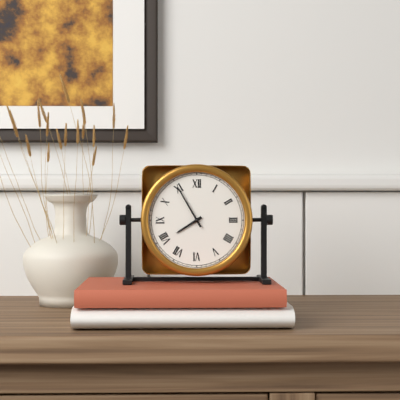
7:55
